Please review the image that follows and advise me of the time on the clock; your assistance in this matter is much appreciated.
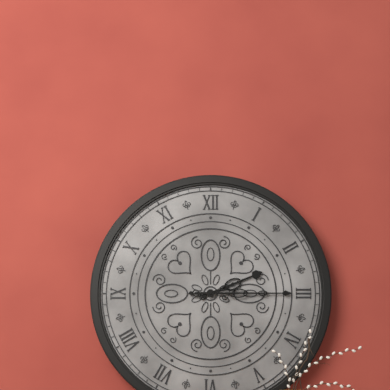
2:15
